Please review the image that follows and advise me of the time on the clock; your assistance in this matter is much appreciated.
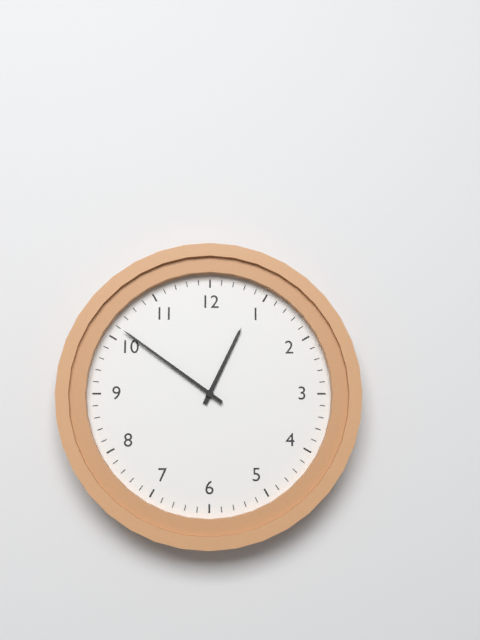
12:51
